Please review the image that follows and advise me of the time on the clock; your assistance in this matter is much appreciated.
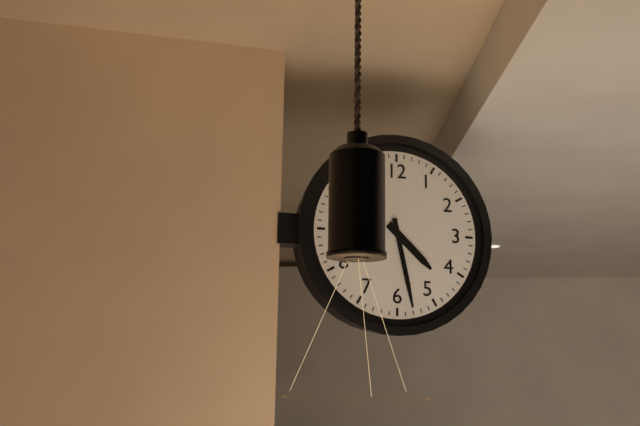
4:28
